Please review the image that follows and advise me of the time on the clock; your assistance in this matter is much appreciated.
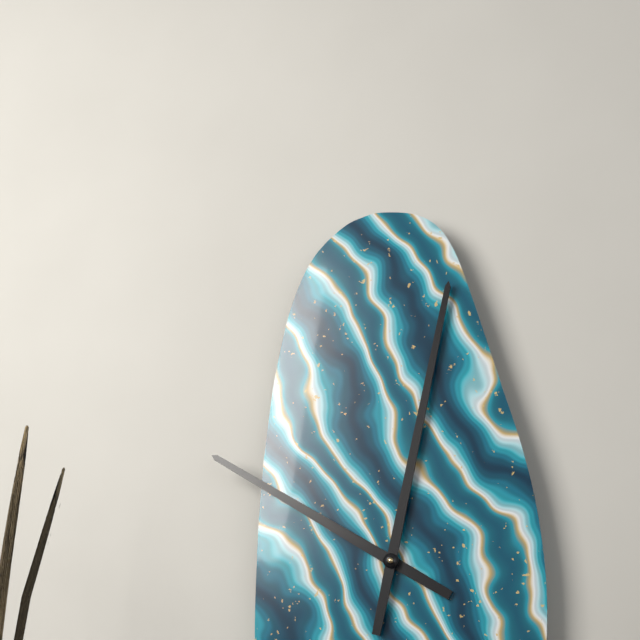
10:02
